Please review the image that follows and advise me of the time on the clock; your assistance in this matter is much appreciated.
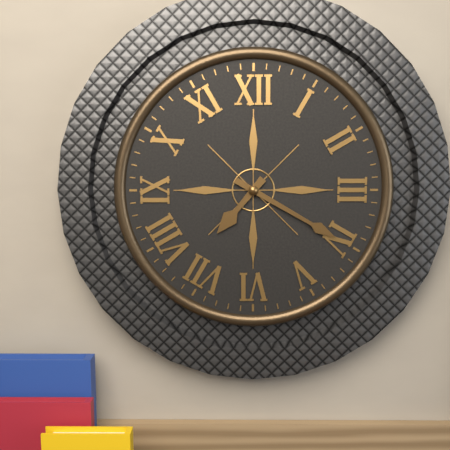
7:20
